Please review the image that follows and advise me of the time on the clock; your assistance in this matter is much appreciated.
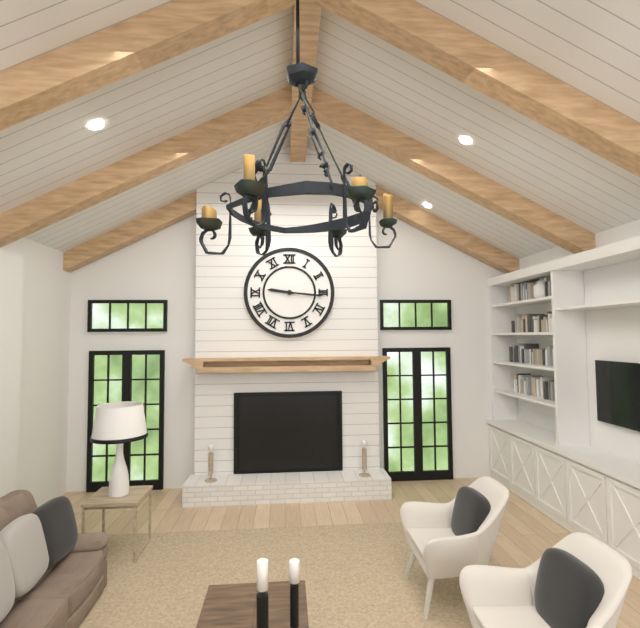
9:16
